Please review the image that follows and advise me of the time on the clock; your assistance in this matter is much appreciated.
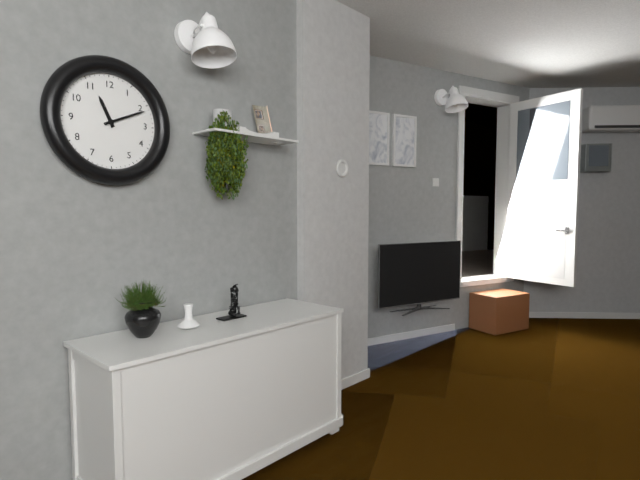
11:11
